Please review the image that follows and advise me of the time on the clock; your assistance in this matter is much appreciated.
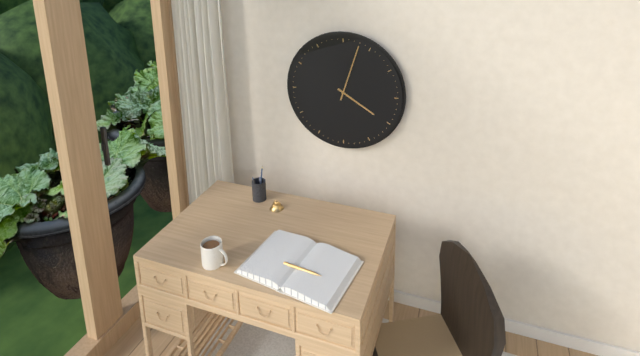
4:03
